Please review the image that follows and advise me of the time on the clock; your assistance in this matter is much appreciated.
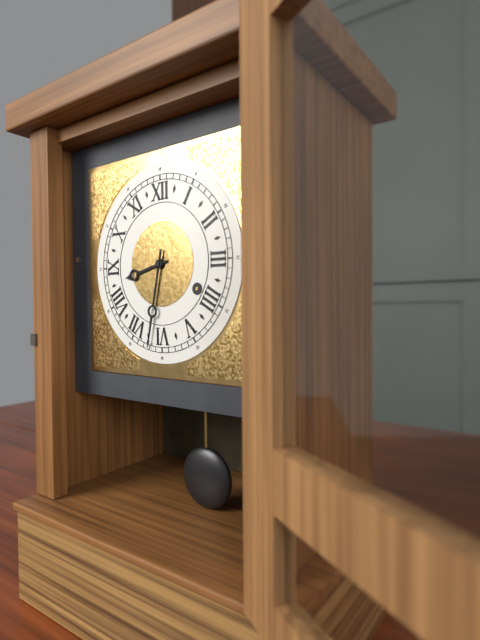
8:32
